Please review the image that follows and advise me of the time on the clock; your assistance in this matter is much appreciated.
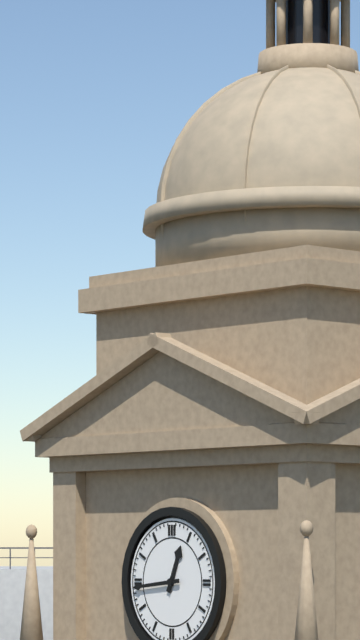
12:44
